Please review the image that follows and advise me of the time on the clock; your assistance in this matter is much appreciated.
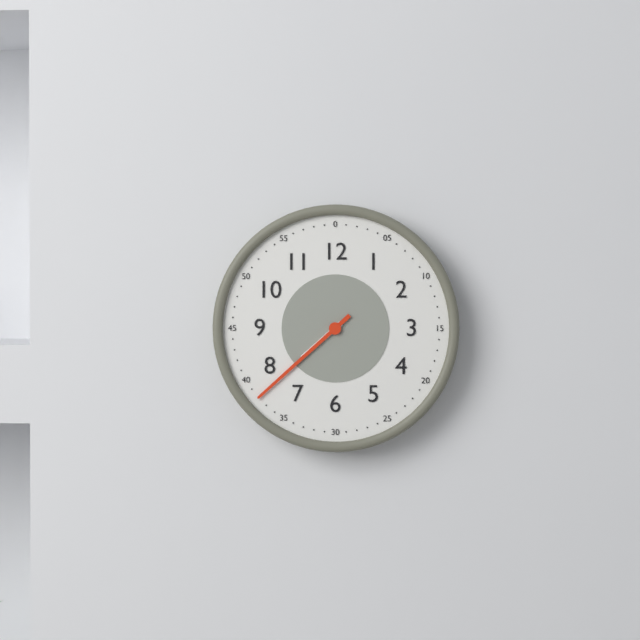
7:38
